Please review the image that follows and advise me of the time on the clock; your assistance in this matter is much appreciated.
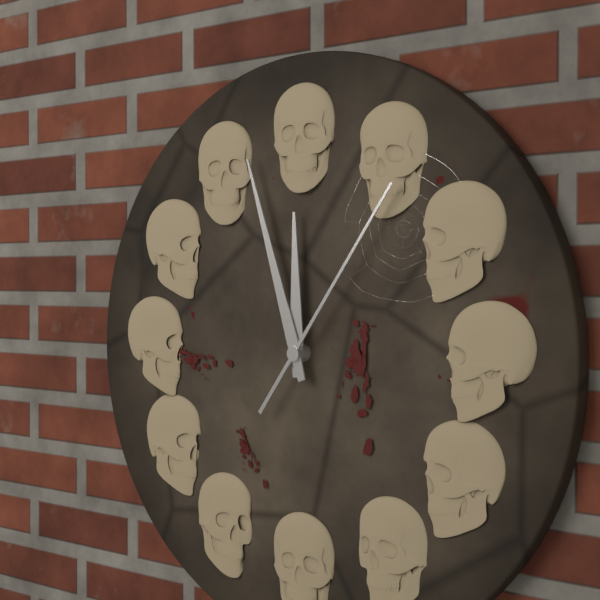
11:57:06
